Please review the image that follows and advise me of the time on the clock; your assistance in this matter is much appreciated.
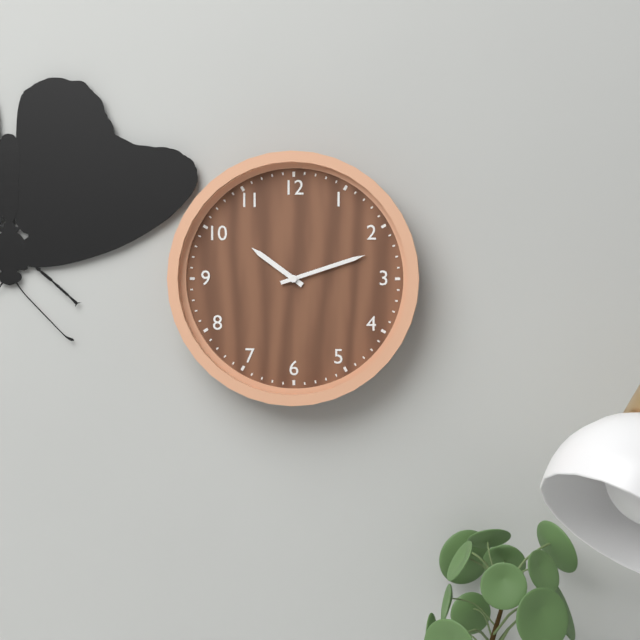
10:12
